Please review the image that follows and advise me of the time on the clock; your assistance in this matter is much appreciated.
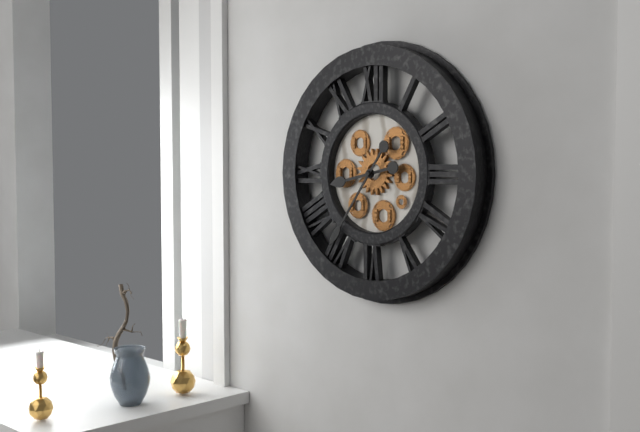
8:36
